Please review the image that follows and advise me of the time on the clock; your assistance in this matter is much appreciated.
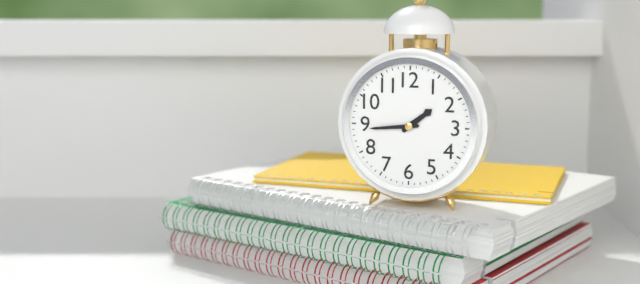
1:44
